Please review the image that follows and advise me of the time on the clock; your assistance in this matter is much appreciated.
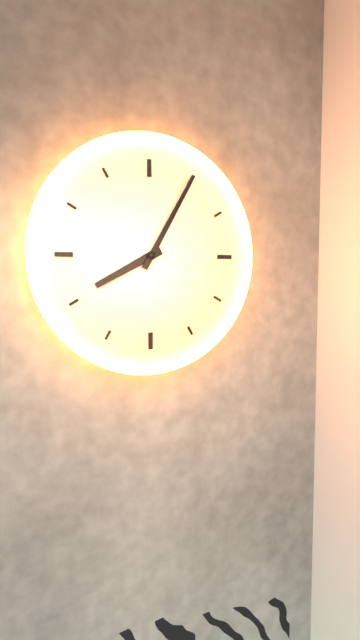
8:05
